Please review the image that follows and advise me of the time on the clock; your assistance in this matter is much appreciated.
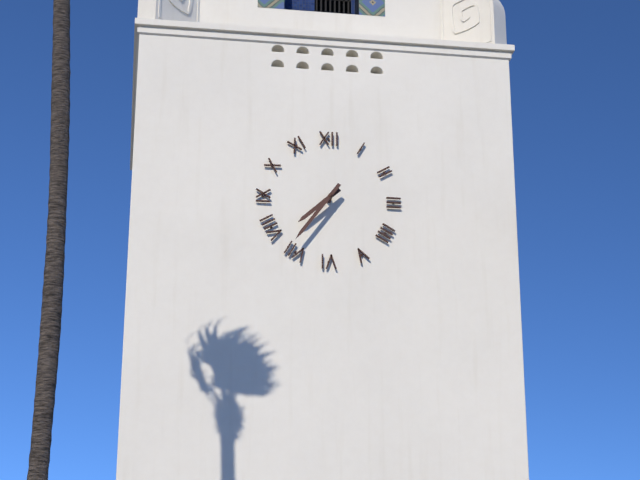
7:36
